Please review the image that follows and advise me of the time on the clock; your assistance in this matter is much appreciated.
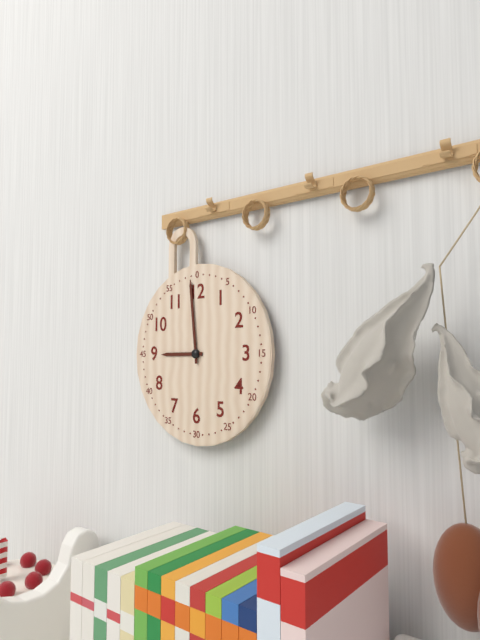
8:59
